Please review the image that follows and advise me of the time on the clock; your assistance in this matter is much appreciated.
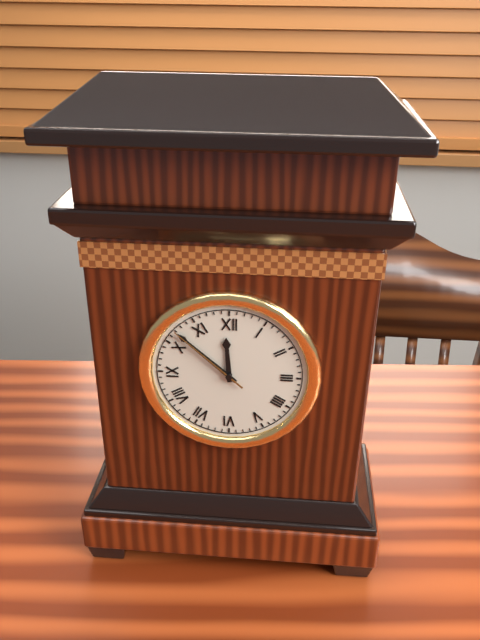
11:52:52
